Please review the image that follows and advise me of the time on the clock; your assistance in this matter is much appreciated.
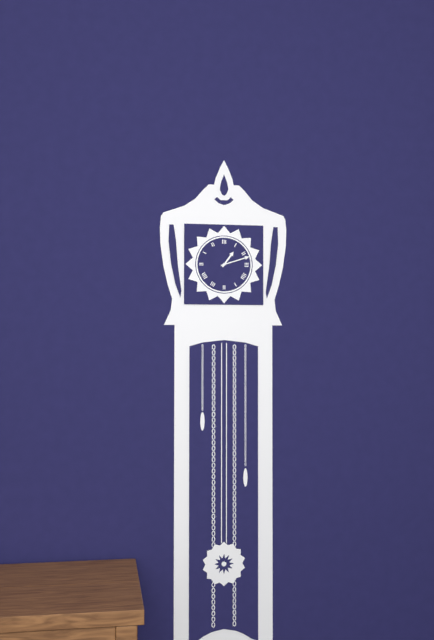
1:12
